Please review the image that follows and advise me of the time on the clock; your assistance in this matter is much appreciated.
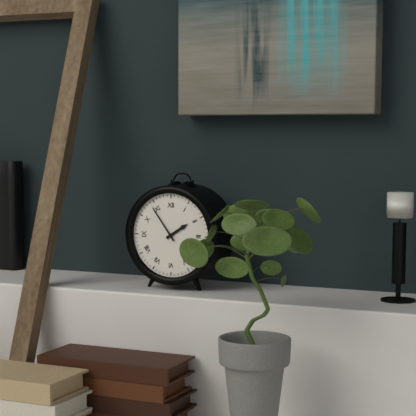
1:54
